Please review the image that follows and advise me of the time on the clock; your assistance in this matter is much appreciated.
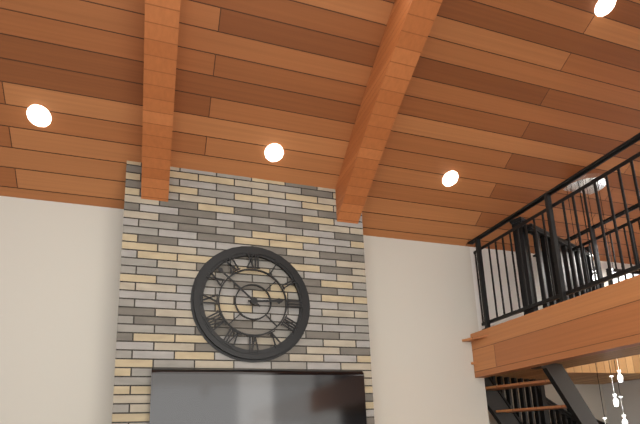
2:52
